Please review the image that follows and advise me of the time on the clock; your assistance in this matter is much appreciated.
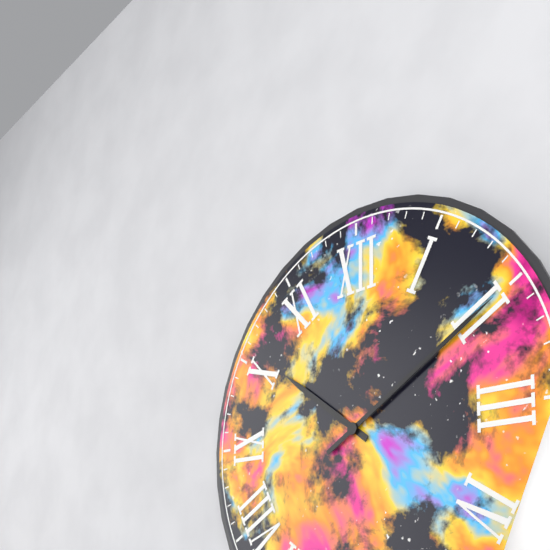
10:10
